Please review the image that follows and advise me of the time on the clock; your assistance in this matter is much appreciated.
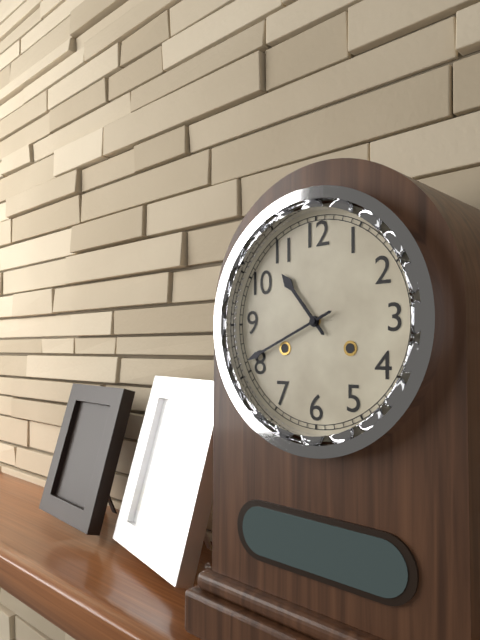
10:41
